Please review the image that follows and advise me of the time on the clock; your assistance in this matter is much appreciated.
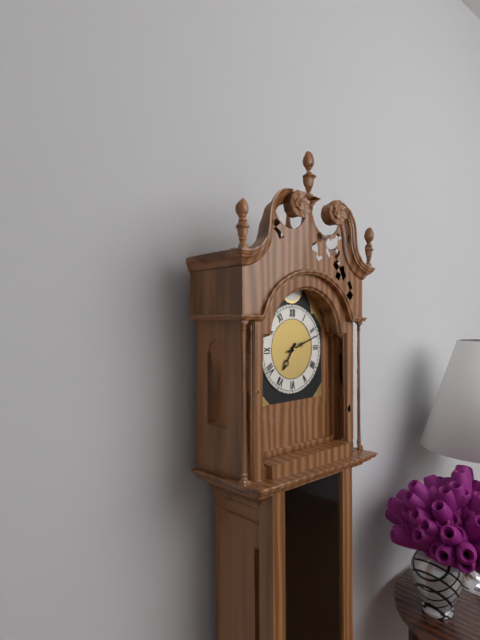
7:12
